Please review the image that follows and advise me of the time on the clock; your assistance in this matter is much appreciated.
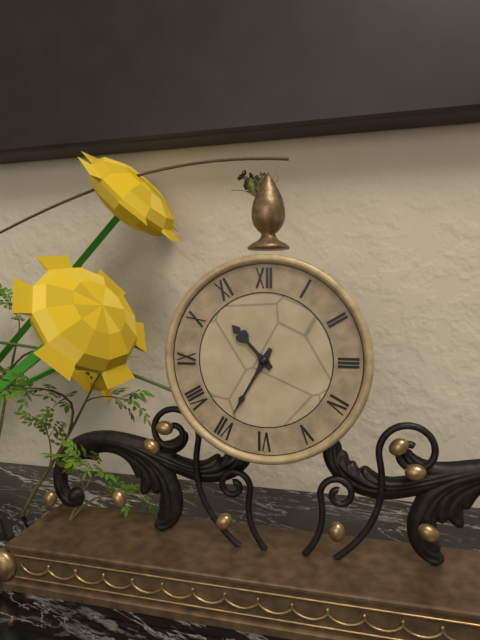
10:35
